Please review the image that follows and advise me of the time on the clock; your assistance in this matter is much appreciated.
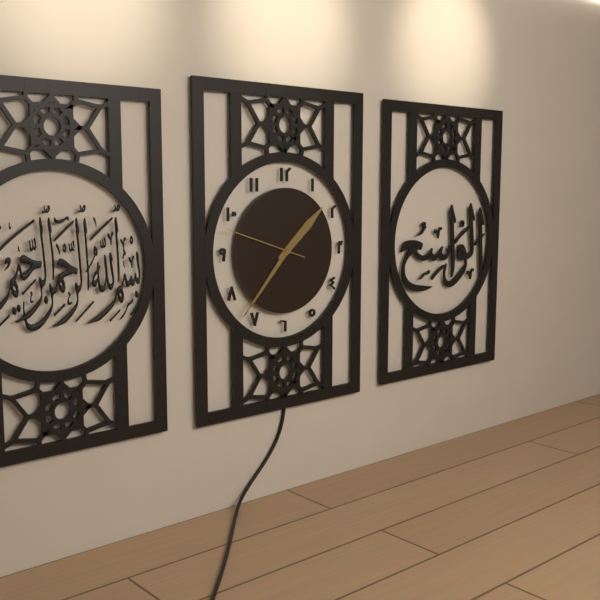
1:37:48
